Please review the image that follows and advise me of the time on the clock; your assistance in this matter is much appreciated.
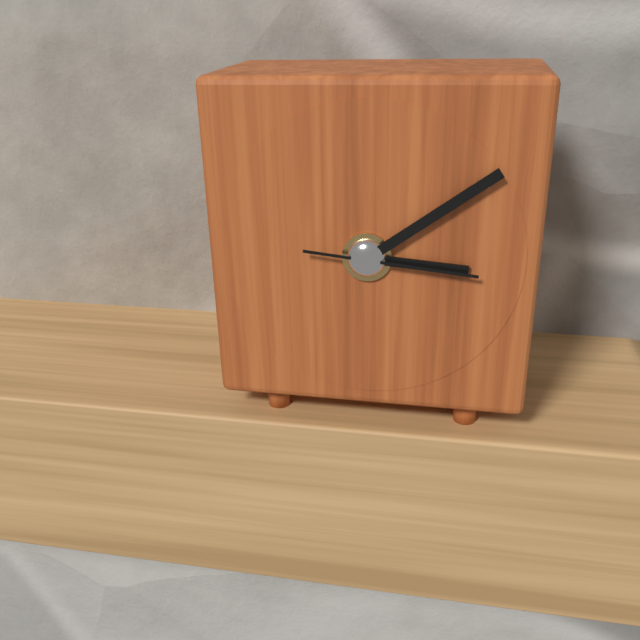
3:09:16
